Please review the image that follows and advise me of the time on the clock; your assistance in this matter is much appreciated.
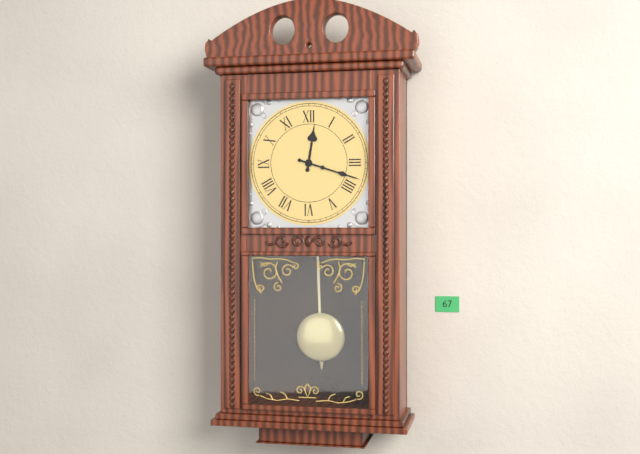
12:18
